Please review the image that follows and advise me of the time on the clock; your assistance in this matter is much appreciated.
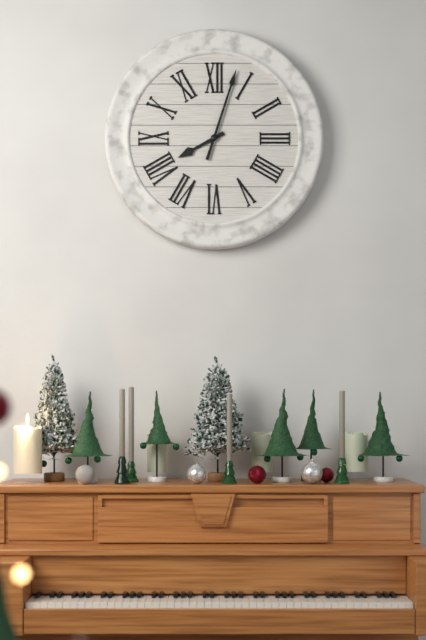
8:03
